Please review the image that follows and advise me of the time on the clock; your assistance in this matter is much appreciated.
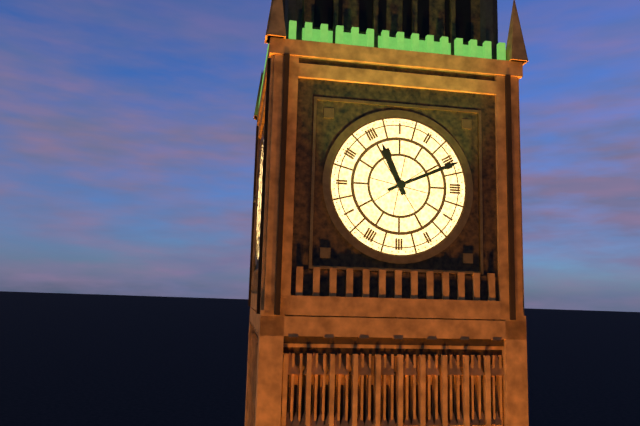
11:11
